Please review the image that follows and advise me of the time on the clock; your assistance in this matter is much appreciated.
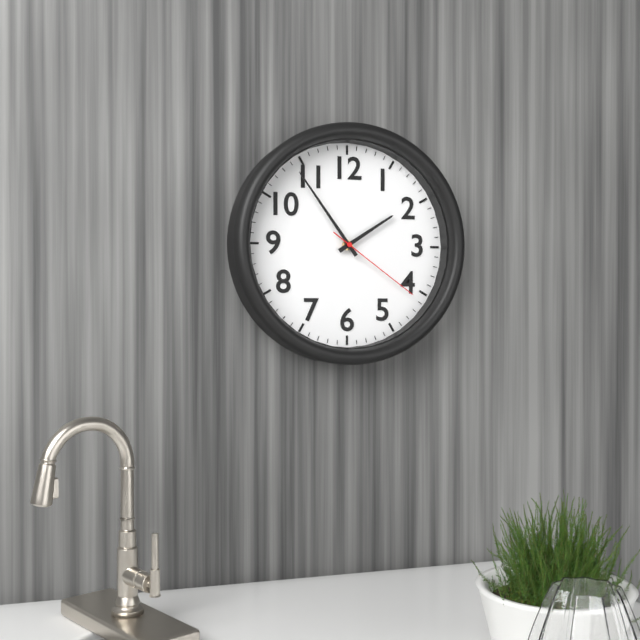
1:54:21
